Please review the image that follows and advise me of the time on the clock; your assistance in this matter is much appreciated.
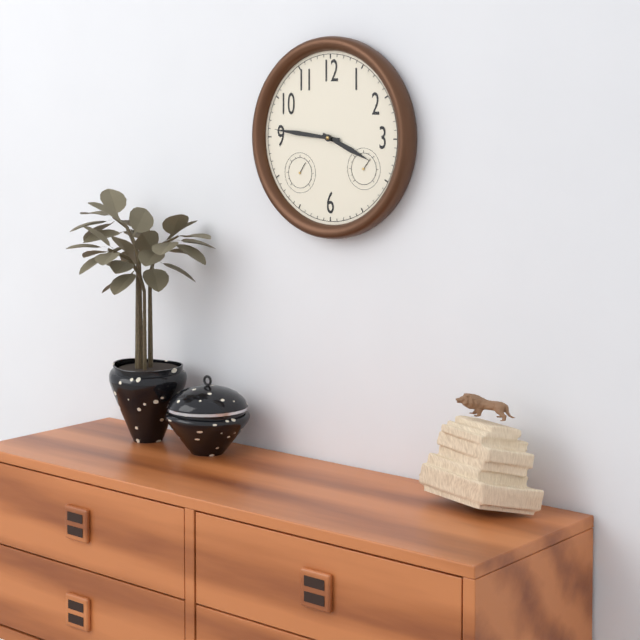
3:46
